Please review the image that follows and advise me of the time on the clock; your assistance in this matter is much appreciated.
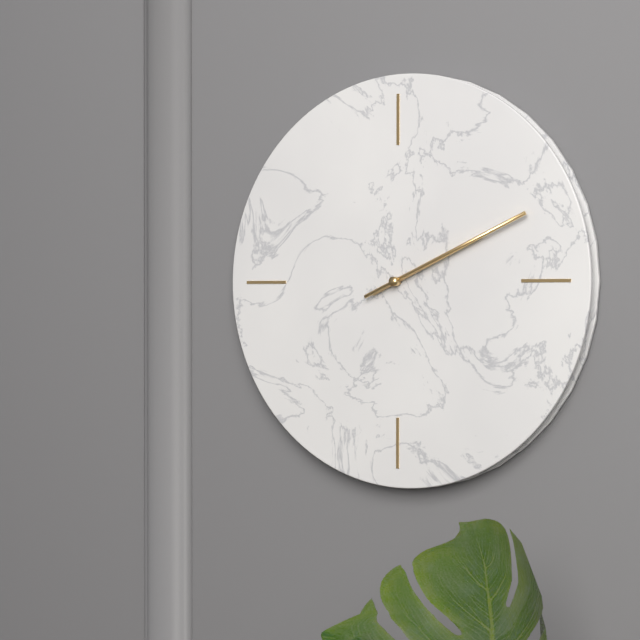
2:11
